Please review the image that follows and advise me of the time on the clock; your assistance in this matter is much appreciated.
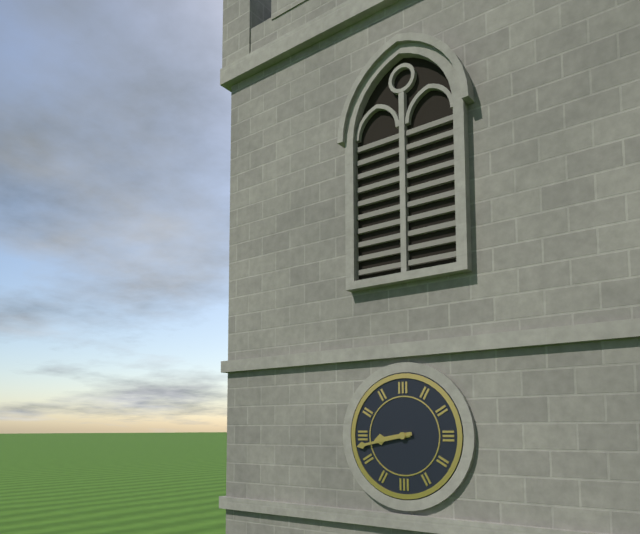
8:43
